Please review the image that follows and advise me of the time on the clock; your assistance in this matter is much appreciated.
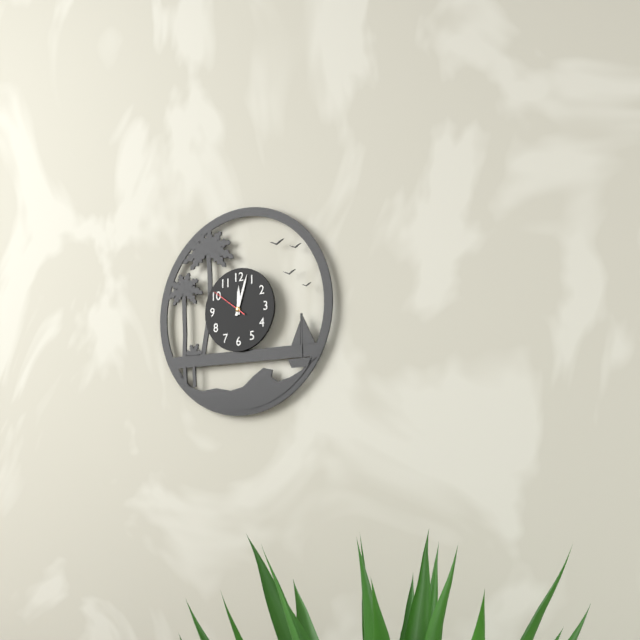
12:03
